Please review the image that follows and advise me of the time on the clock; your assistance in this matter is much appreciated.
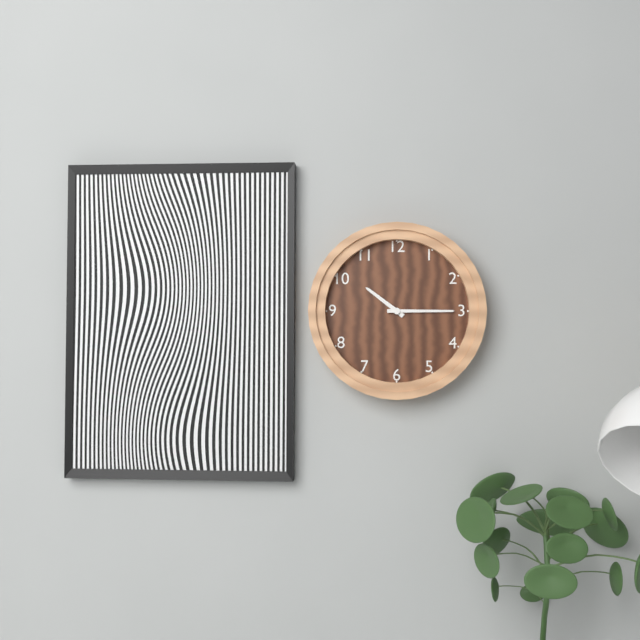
10:15
